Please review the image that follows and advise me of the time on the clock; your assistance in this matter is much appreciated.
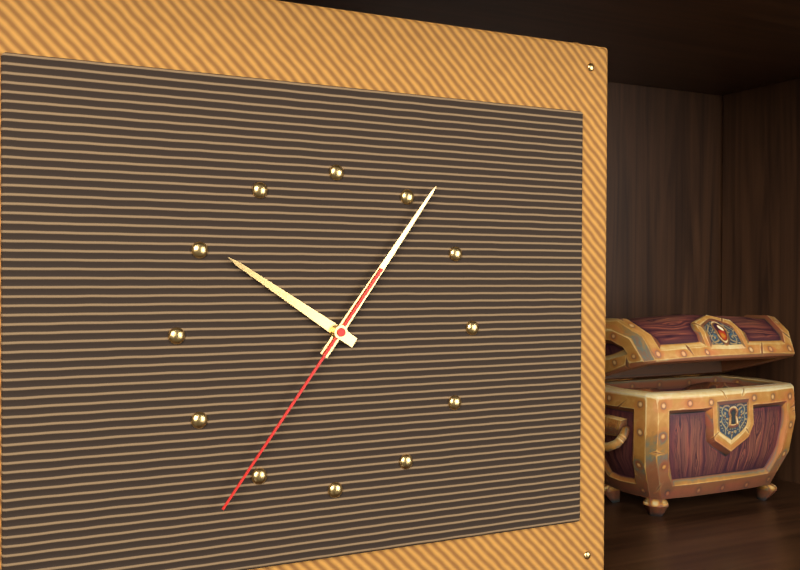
10:06:36
